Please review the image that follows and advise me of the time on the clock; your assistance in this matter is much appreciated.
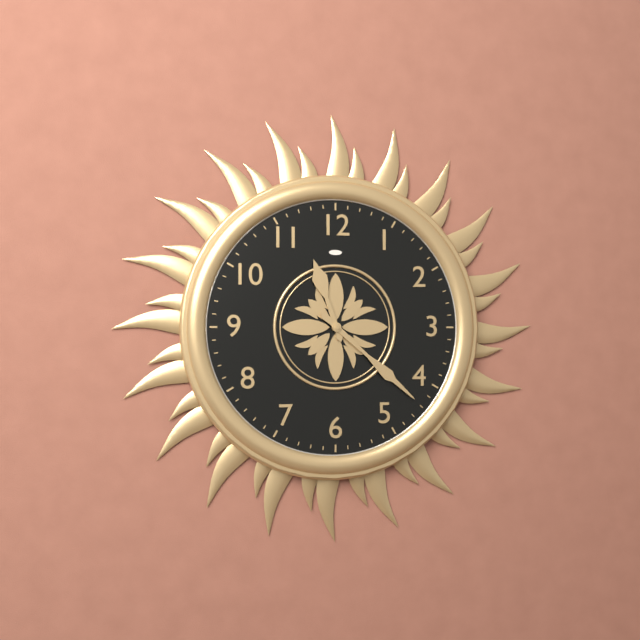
11:22
